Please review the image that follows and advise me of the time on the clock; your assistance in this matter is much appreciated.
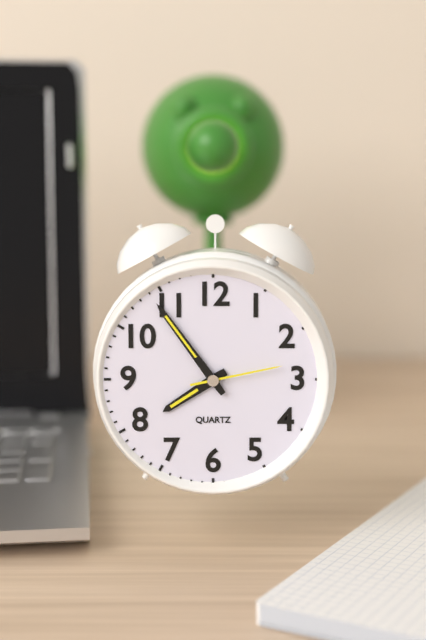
7:54:13
